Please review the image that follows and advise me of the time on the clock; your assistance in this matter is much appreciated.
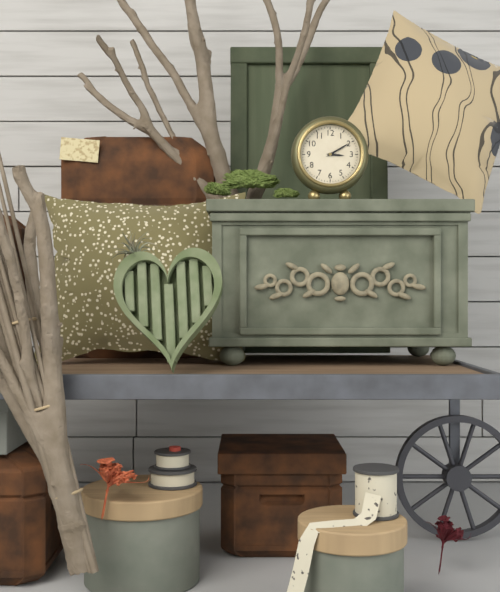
3:10
